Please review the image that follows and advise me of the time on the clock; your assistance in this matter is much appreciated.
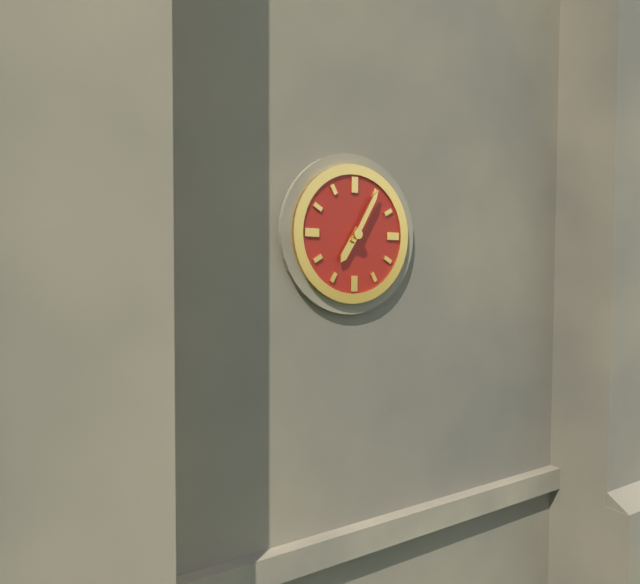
7:05
